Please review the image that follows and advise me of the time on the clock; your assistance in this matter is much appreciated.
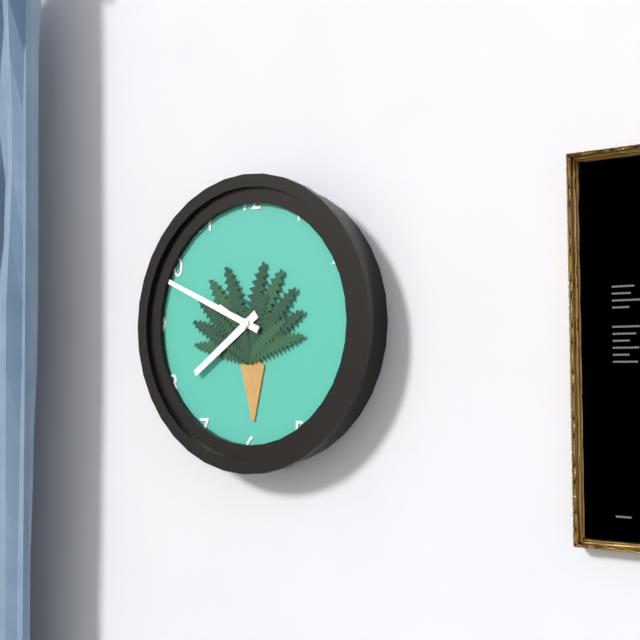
7:49
